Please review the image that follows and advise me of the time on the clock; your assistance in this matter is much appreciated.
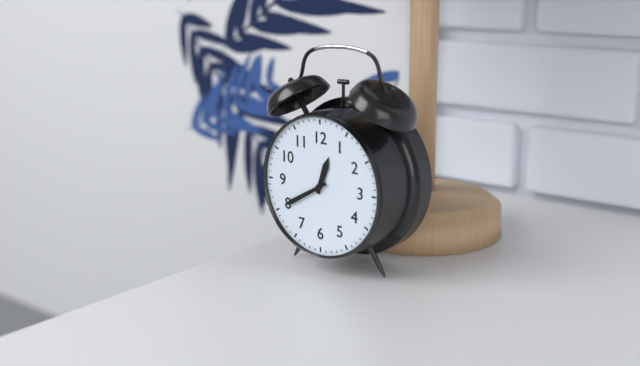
12:40
